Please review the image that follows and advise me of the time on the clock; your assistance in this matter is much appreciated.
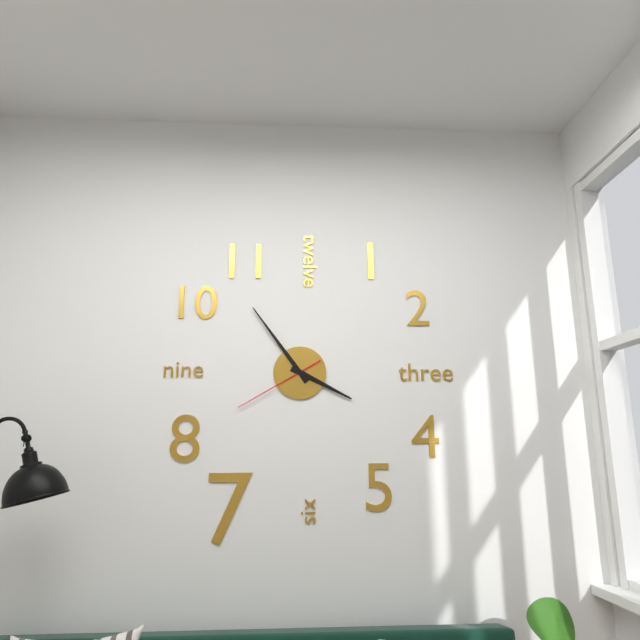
3:54:40
